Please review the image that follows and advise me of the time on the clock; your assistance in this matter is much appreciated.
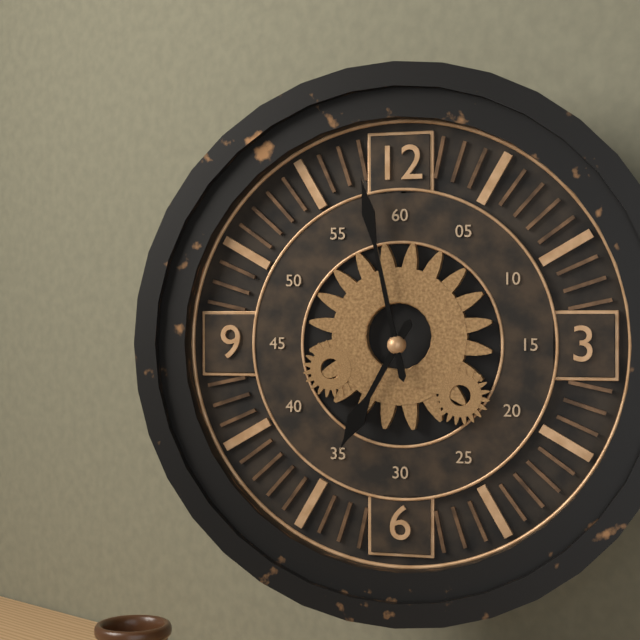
6:58
